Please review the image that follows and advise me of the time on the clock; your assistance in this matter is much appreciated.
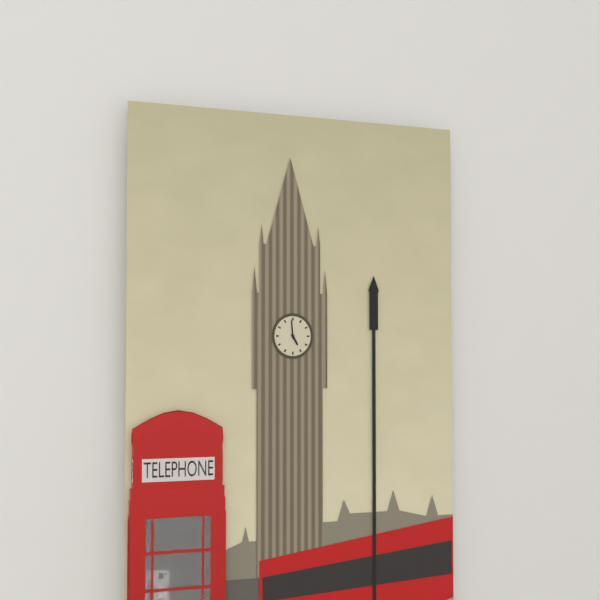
4:59
